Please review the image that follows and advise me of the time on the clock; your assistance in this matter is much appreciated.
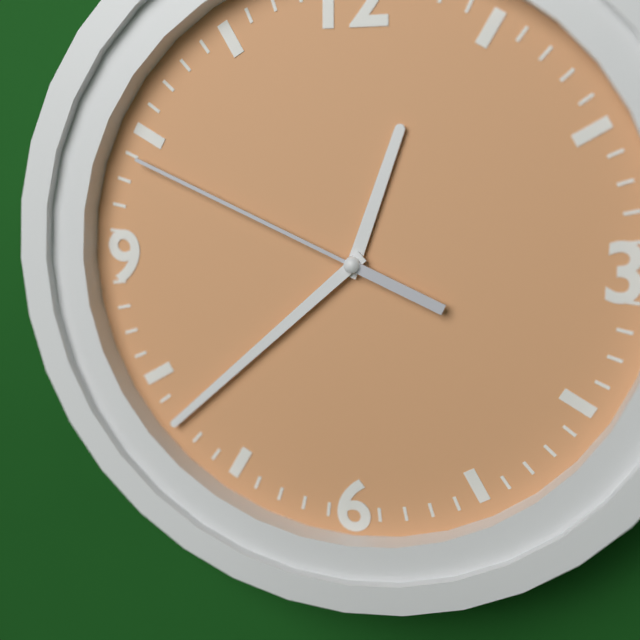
12:38:49
